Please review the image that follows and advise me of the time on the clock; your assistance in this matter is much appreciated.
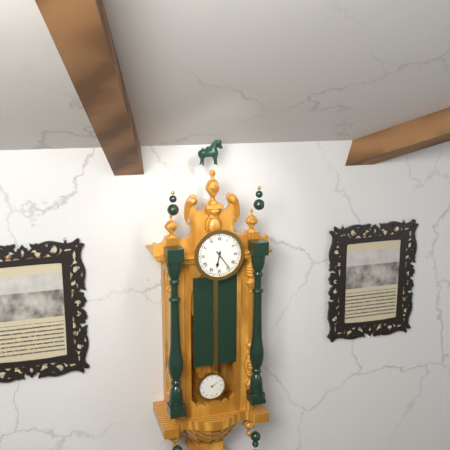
6:24
